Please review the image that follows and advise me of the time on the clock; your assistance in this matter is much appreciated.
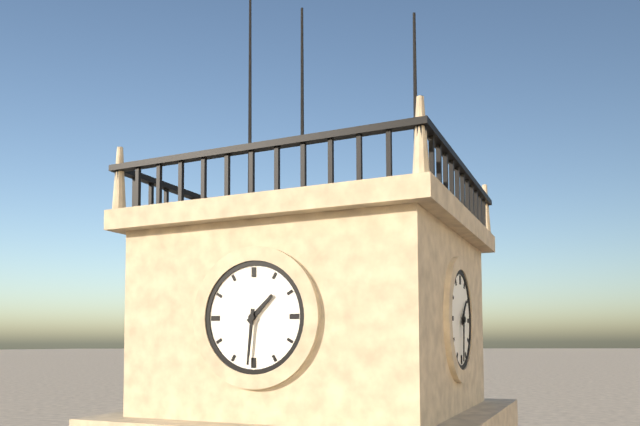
1:31
